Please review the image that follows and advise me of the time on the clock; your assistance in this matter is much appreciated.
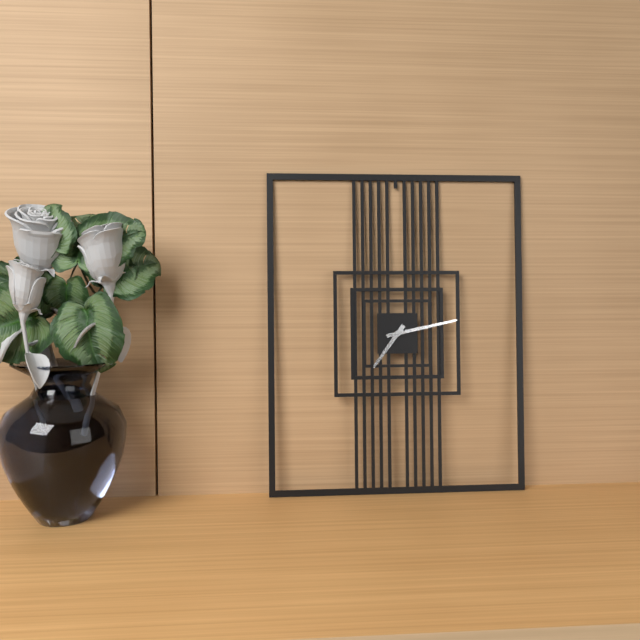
7:13
